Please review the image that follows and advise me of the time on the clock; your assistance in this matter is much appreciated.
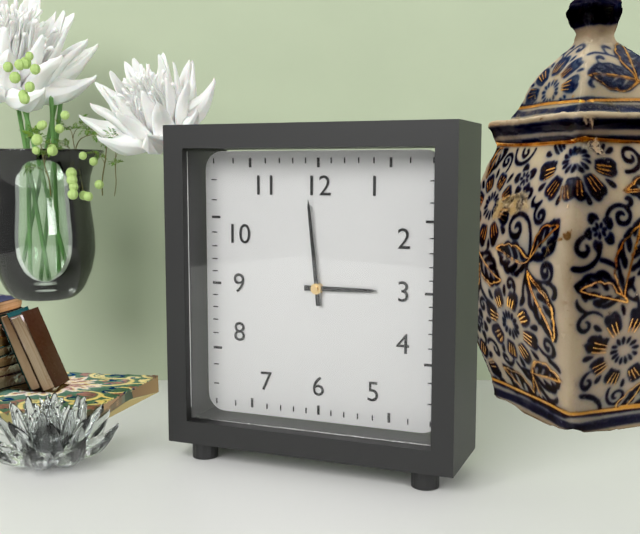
2:59
